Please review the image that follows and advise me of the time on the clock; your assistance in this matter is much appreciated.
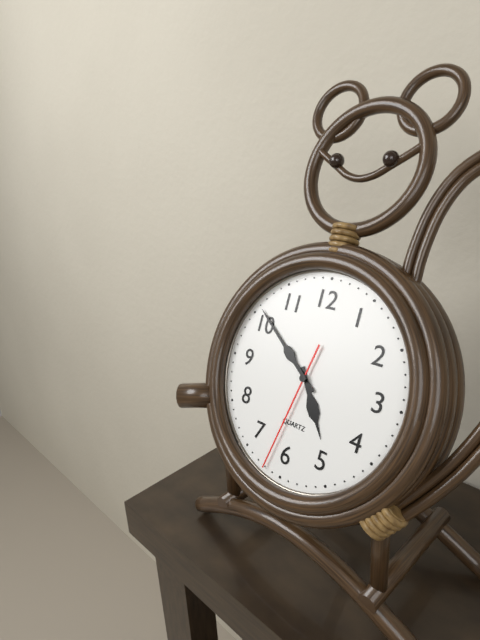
4:51:32
